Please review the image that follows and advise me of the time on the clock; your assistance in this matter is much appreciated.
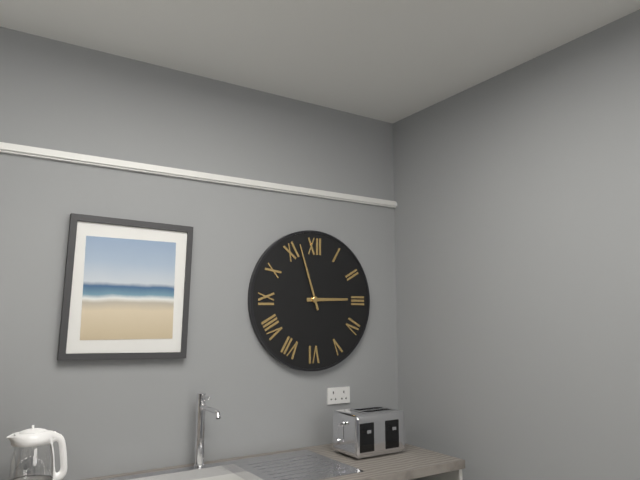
2:57
